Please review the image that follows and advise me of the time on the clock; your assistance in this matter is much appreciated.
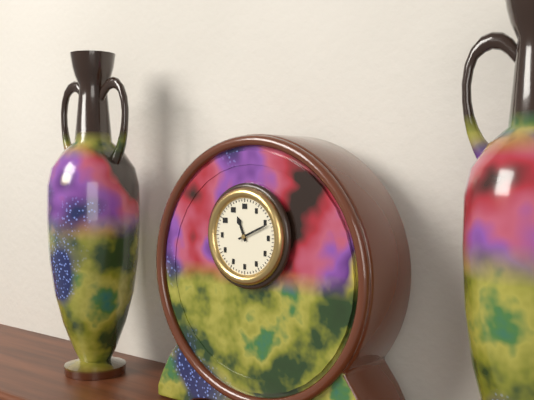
11:11
